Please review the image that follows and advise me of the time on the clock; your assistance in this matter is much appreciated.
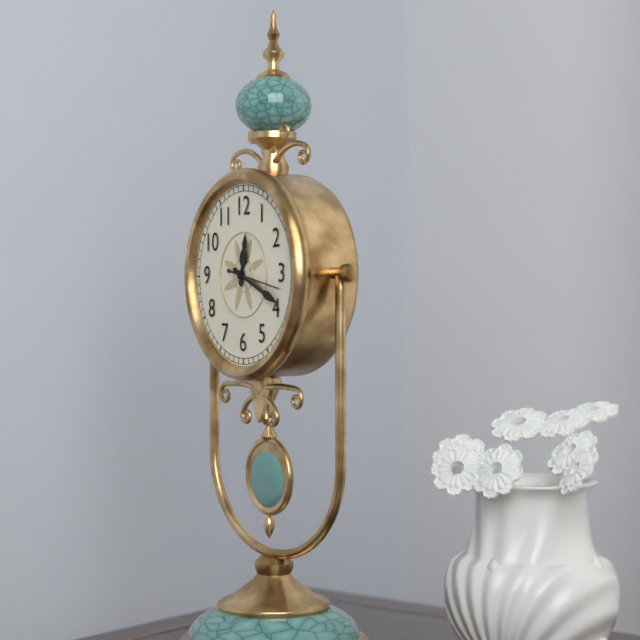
12:19
